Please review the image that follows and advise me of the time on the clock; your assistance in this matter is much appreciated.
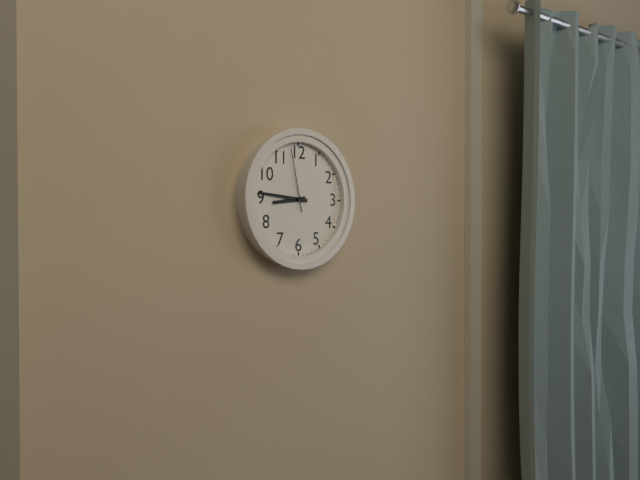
8:46:58
